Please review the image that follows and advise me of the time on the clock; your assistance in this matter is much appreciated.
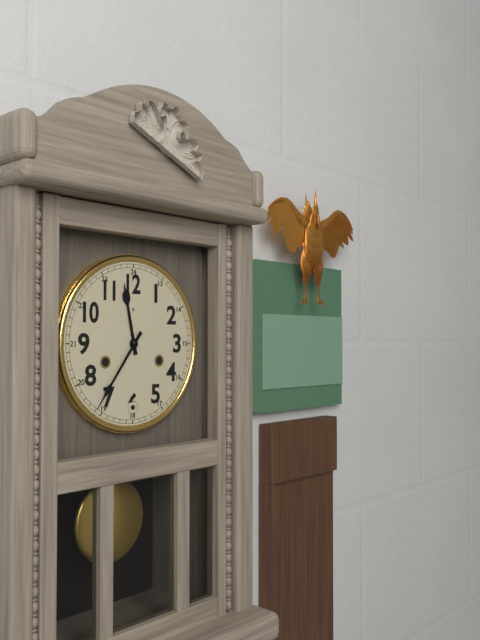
11:36
